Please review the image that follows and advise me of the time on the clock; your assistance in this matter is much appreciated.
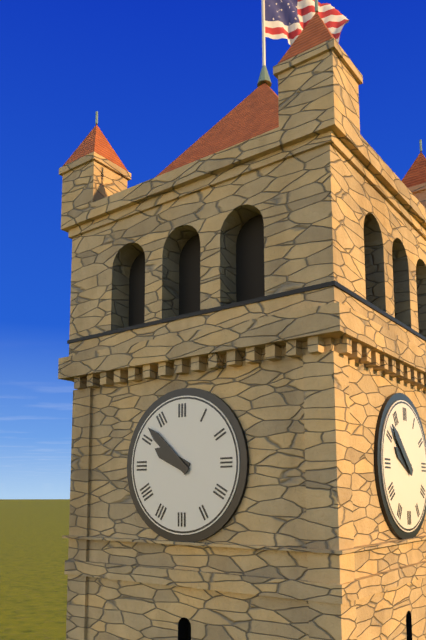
9:52
